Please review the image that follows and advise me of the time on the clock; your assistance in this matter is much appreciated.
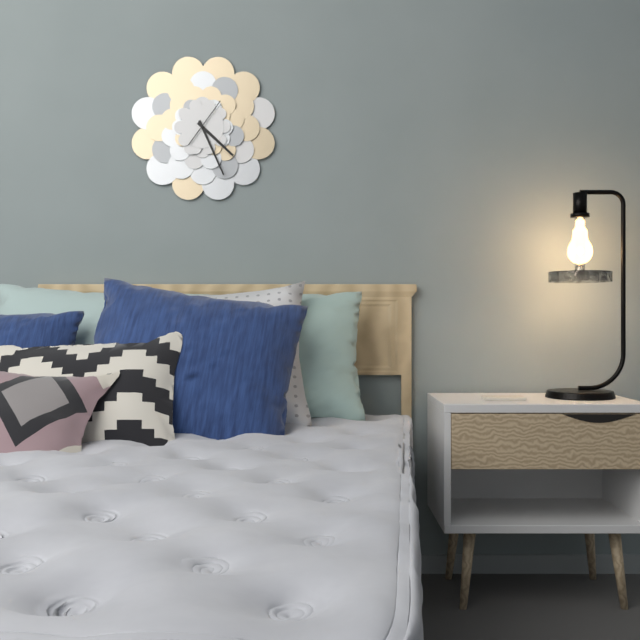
4:26
